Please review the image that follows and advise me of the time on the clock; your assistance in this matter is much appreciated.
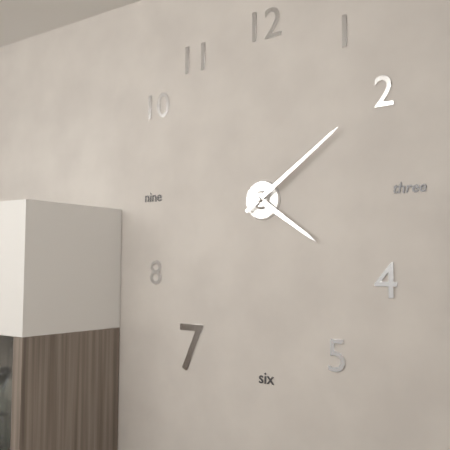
4:09
